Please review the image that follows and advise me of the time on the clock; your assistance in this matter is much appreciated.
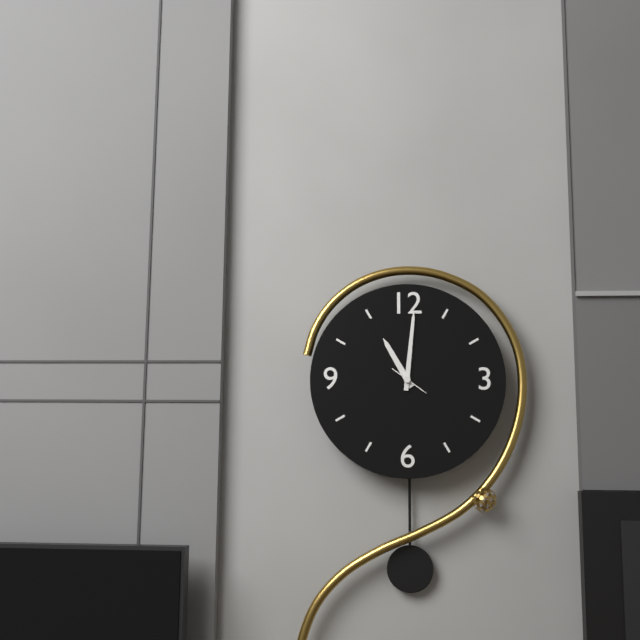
11:01
